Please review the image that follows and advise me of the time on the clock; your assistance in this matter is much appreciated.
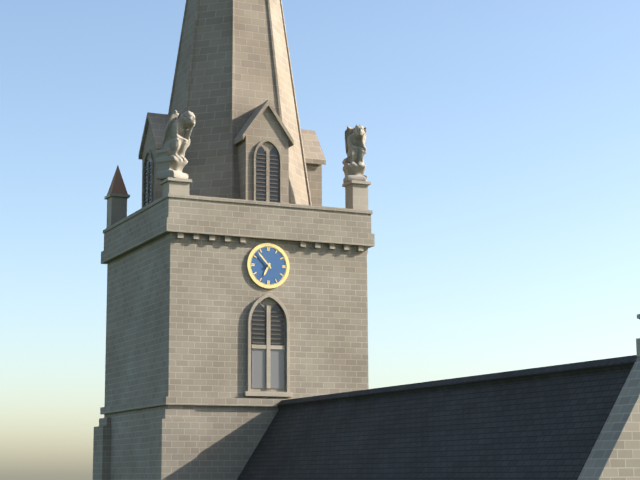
6:53
